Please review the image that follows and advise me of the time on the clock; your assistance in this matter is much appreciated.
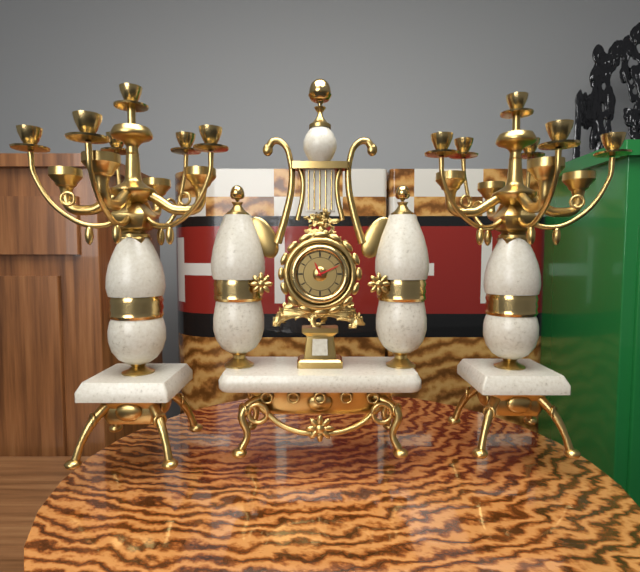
11:11
